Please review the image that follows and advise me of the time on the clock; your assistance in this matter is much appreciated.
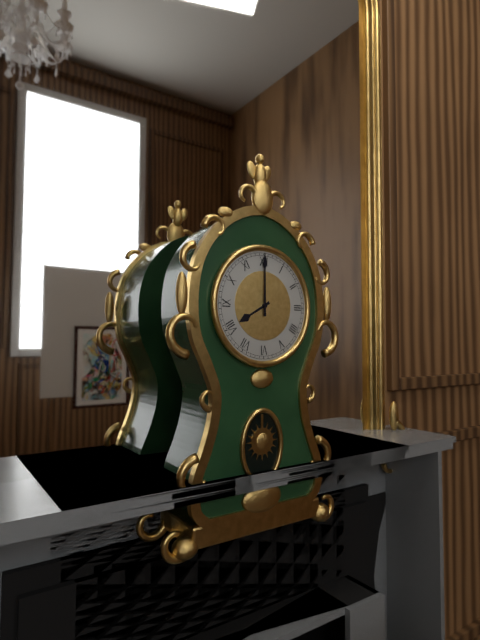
8:00
